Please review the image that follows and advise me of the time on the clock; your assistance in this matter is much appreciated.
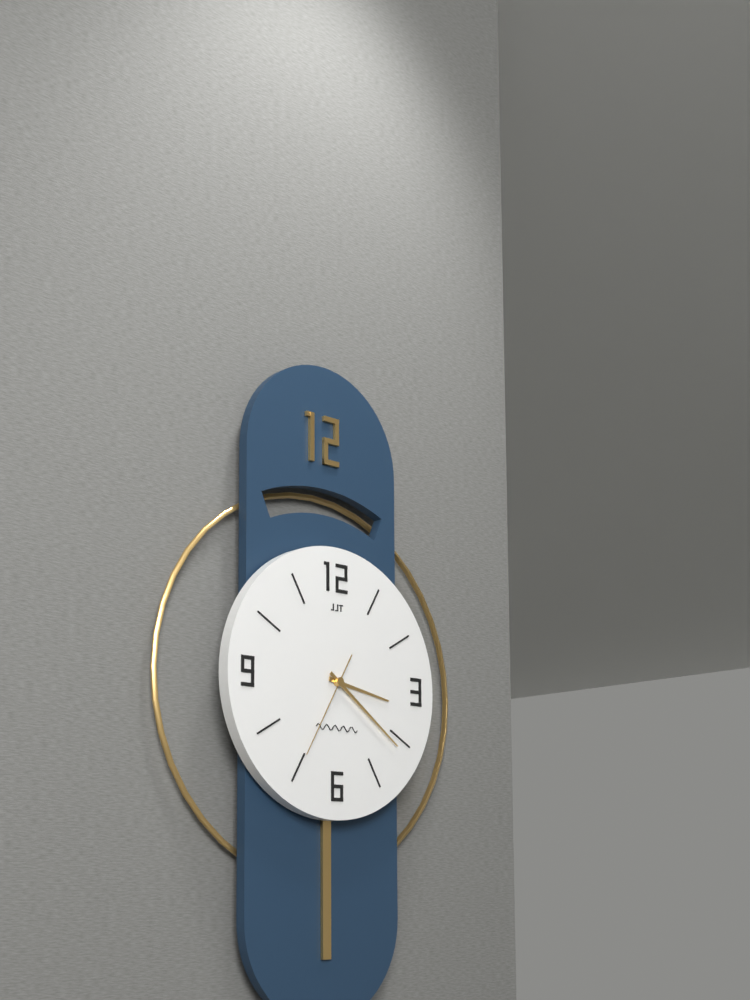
3:21:35
